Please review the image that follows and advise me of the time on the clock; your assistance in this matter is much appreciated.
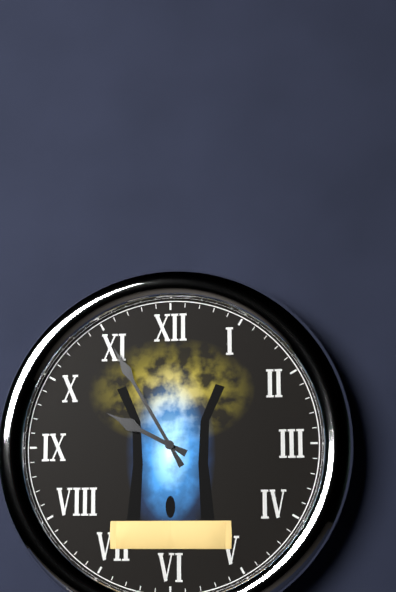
9:55
